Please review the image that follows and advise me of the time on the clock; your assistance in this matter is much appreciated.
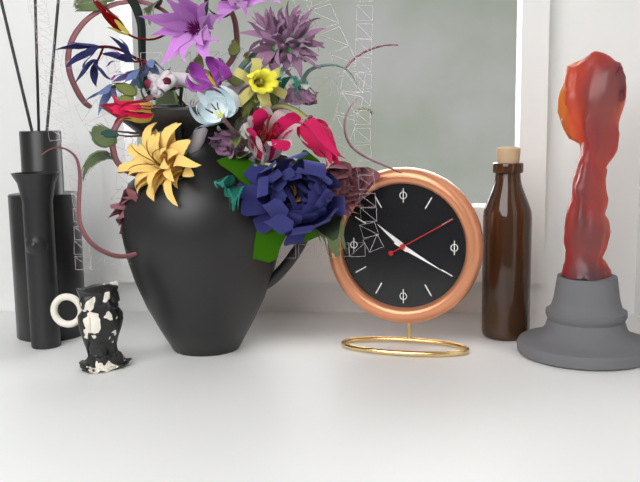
10:20:10
